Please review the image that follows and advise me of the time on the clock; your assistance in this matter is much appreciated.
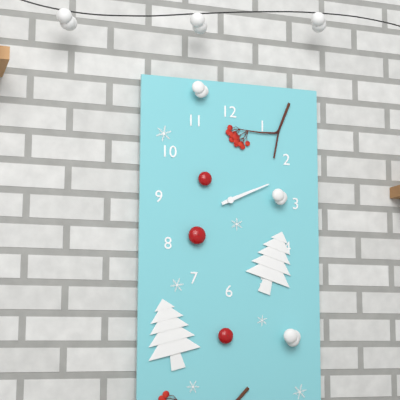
2:11
